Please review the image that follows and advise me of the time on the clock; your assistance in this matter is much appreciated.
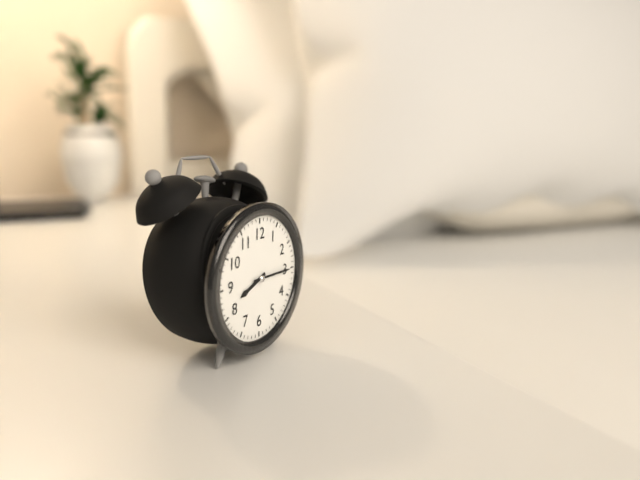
8:15
